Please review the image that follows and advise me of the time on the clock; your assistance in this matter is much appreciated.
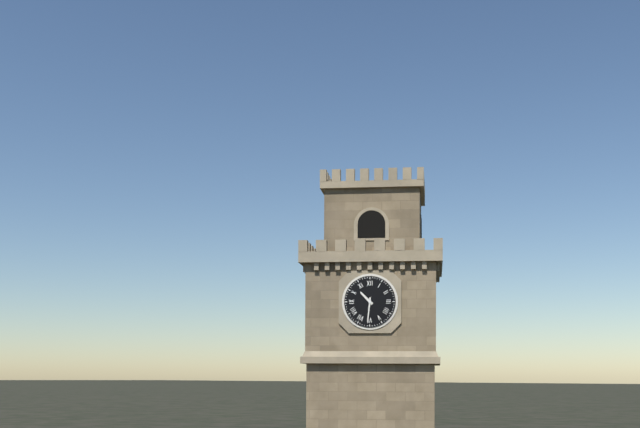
10:31
